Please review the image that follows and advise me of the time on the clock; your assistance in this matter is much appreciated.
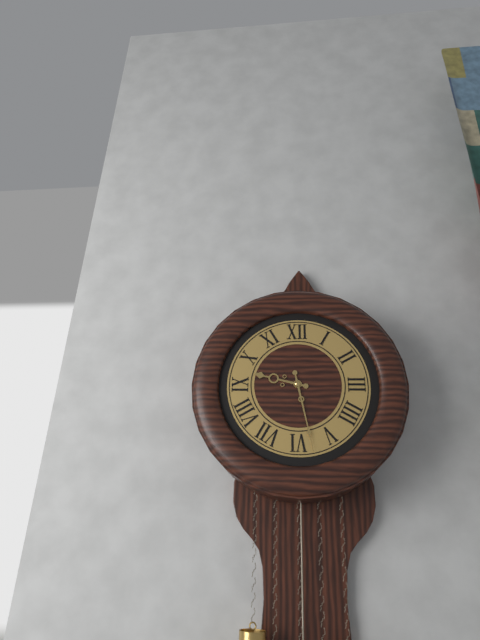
9:28
